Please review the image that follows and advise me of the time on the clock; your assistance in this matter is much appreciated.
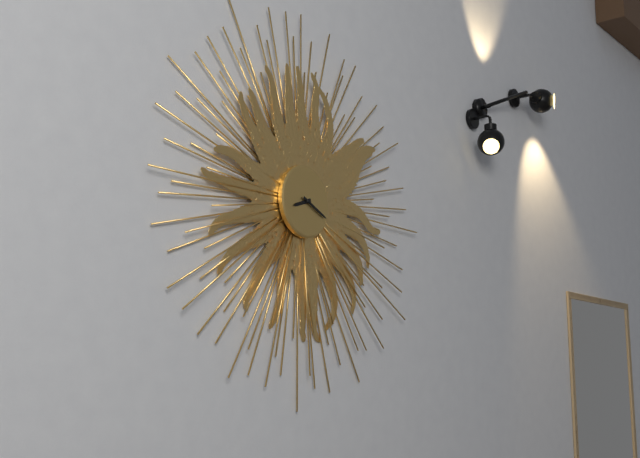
8:19
